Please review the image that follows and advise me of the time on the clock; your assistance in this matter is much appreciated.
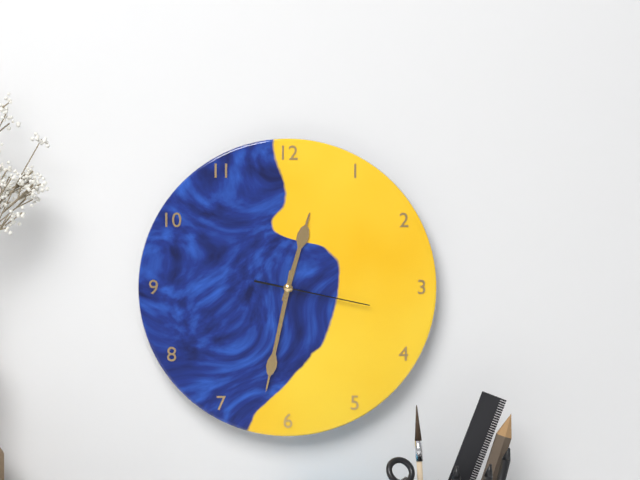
12:32:17
